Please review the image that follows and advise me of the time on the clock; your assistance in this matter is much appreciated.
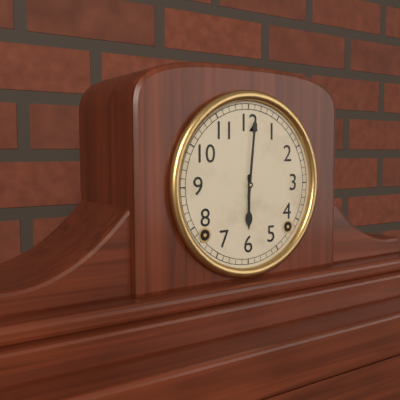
6:01
